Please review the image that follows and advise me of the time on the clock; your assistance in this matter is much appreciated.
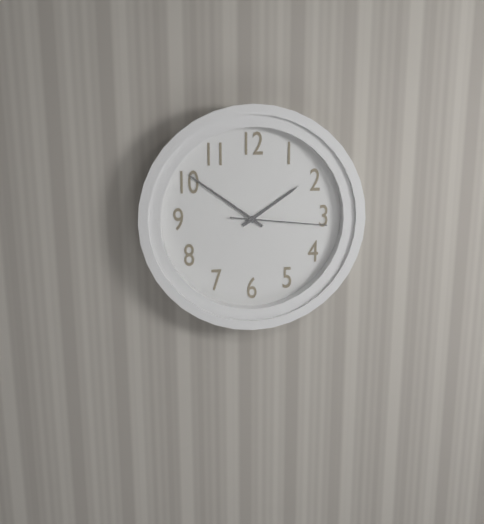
1:51:16
